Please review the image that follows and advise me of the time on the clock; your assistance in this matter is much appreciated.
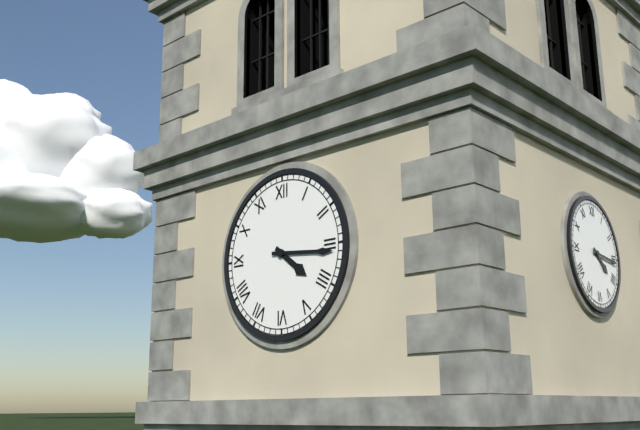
4:16
